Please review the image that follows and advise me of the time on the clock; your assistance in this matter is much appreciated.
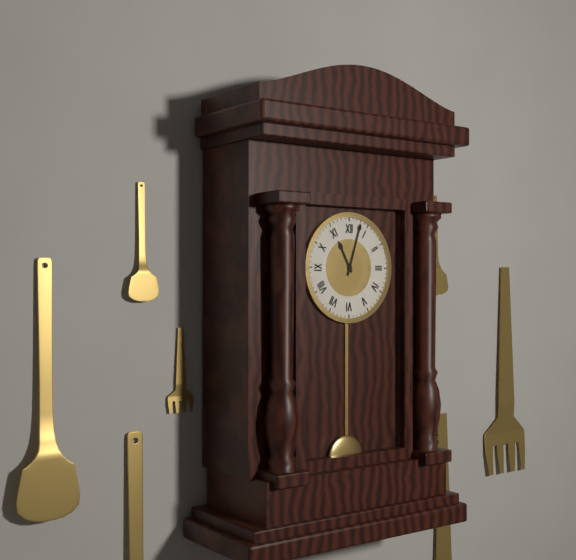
11:03
